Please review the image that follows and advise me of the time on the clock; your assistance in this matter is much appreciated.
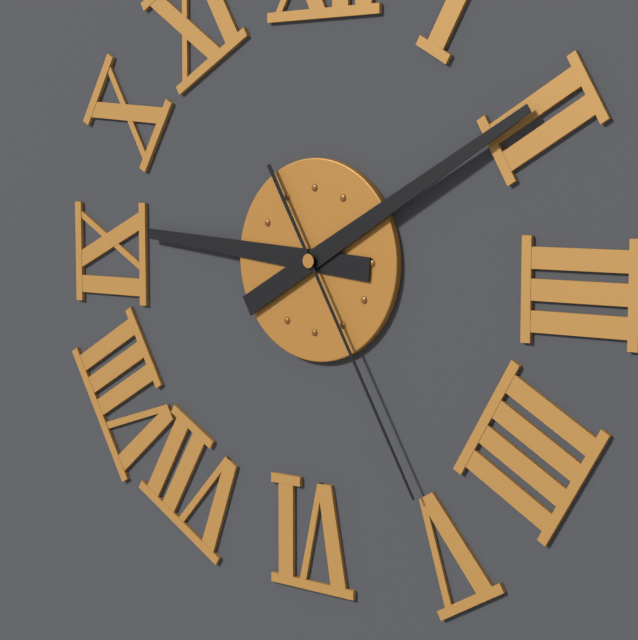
9:10:25
